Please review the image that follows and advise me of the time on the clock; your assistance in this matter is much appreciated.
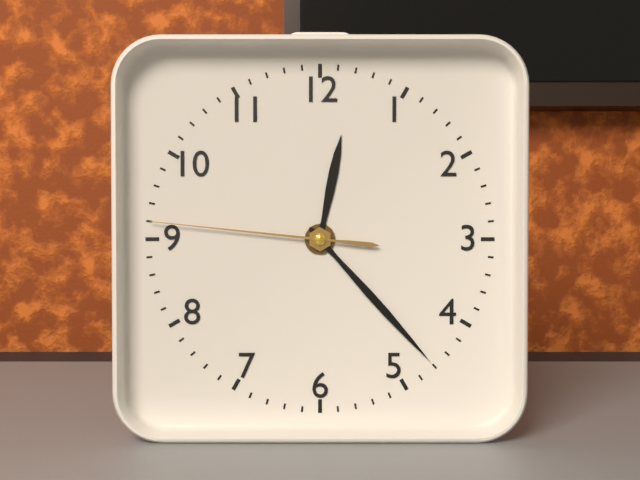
12:23:46
